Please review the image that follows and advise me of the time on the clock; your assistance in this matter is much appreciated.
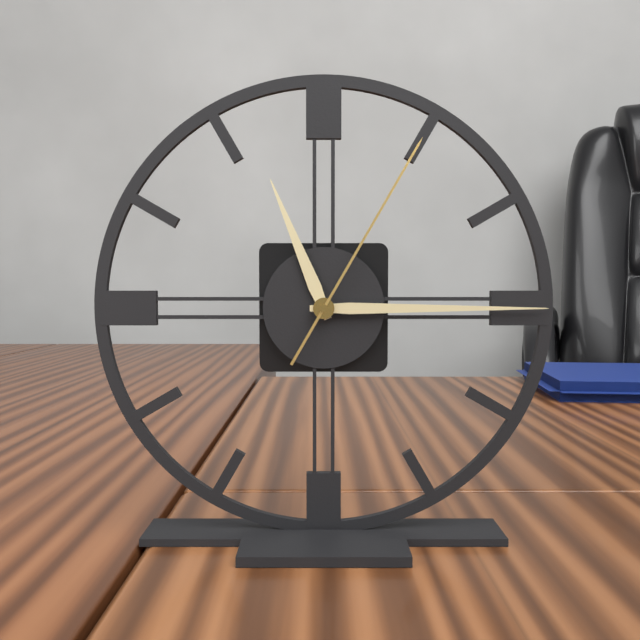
11:15:05
